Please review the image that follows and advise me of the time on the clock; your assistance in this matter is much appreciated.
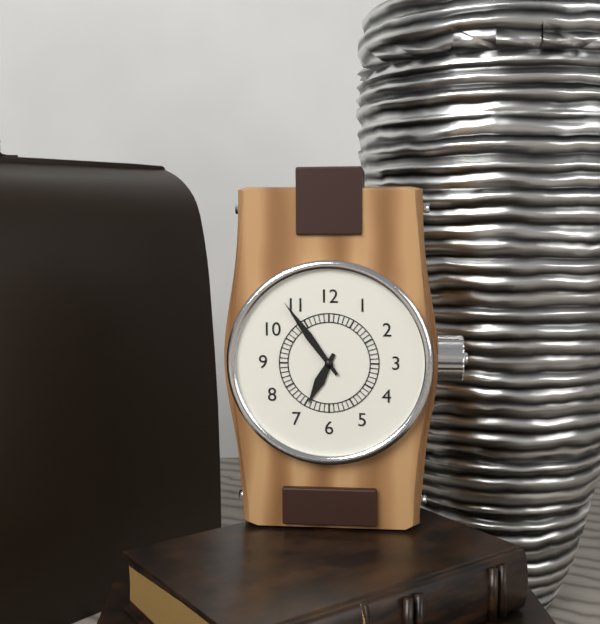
6:54
